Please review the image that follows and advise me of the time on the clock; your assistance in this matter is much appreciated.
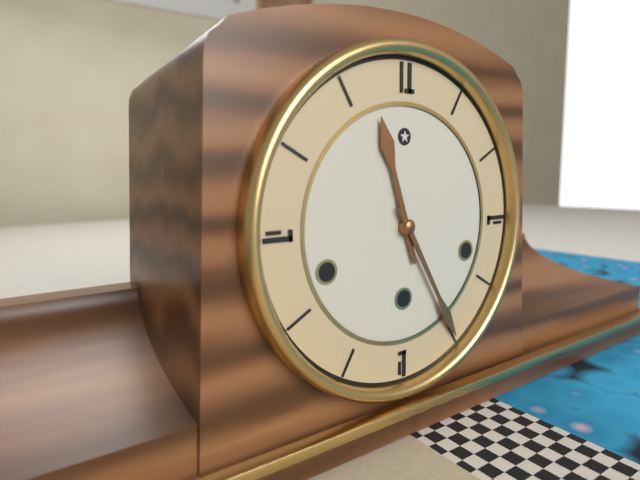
11:25
